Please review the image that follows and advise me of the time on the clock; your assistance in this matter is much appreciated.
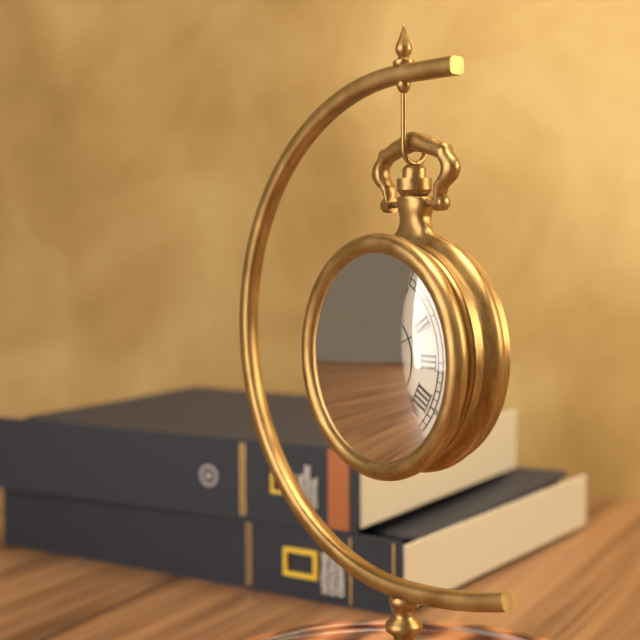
4:22:11
